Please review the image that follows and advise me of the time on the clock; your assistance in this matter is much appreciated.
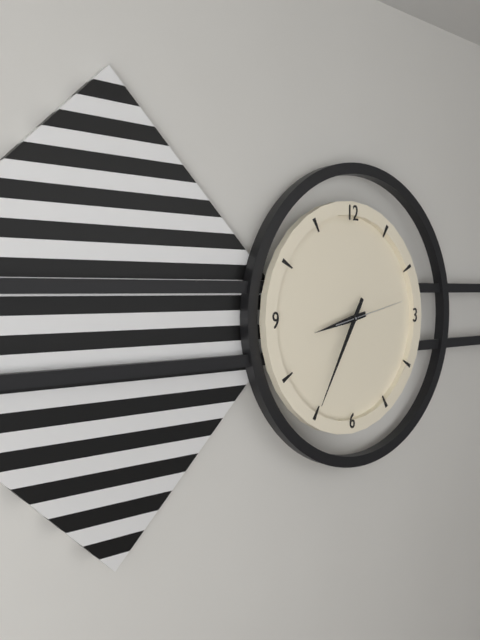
8:35:13
